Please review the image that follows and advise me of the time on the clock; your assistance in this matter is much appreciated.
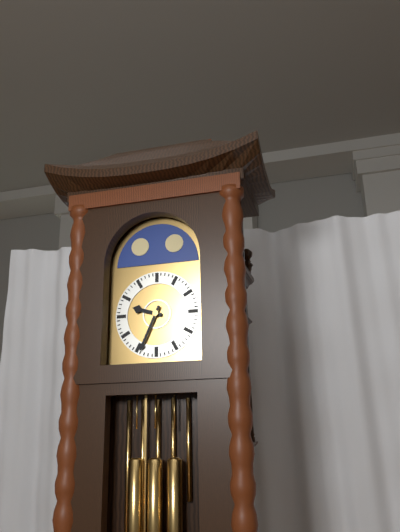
9:34
